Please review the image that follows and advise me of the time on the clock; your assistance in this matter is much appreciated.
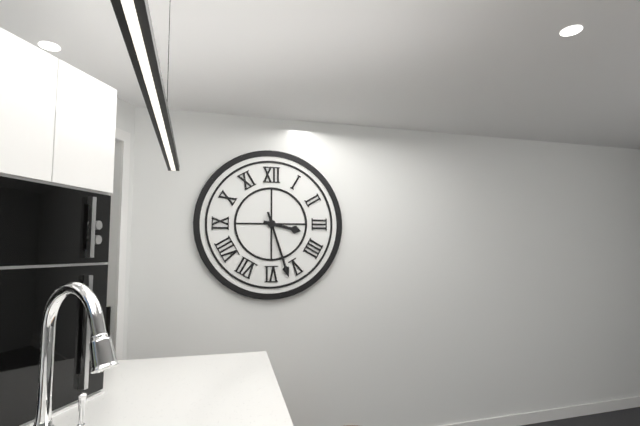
3:27
